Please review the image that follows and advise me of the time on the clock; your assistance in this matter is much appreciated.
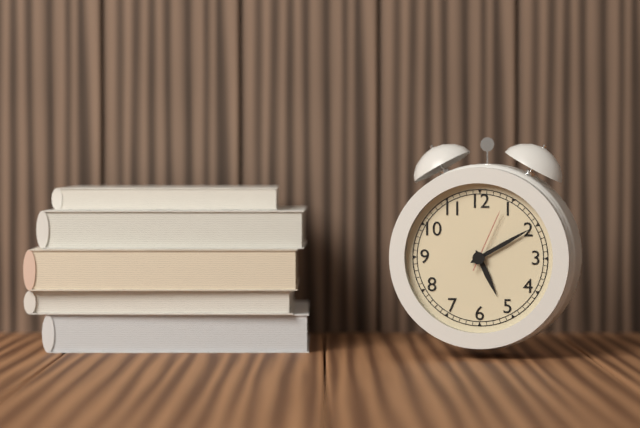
5:10:04
